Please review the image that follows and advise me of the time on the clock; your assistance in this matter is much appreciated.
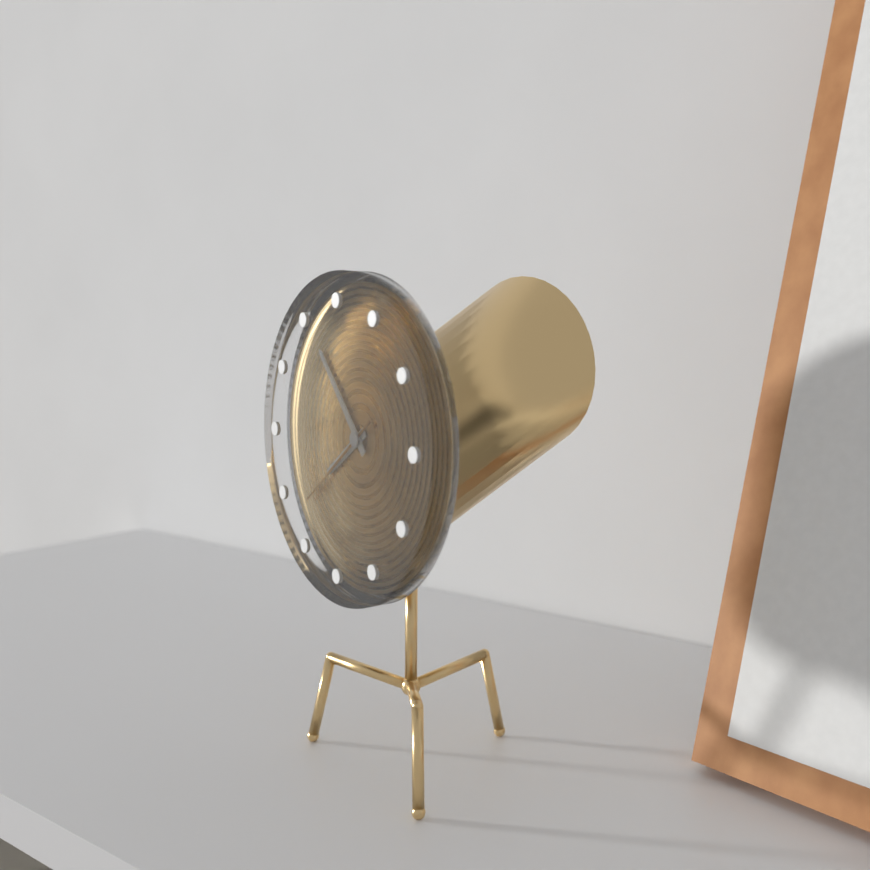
7:53:39
